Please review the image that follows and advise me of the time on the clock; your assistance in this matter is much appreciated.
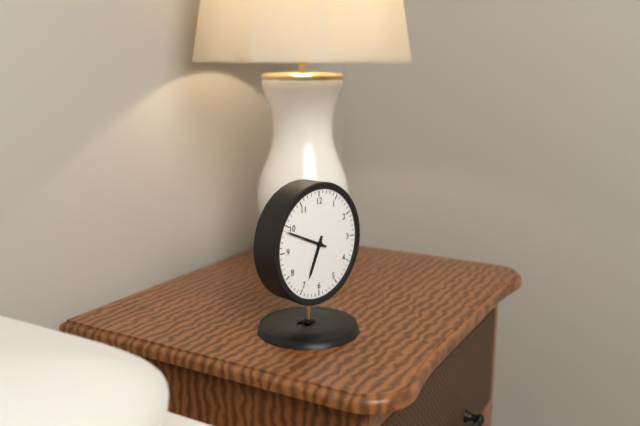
6:49
